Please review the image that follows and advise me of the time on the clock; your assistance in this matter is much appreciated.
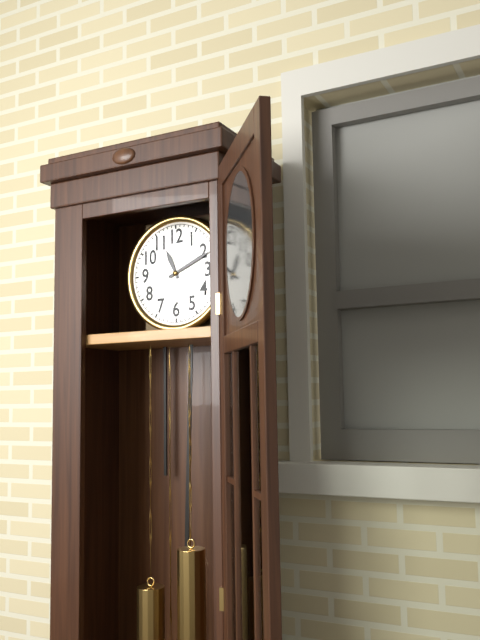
11:11
